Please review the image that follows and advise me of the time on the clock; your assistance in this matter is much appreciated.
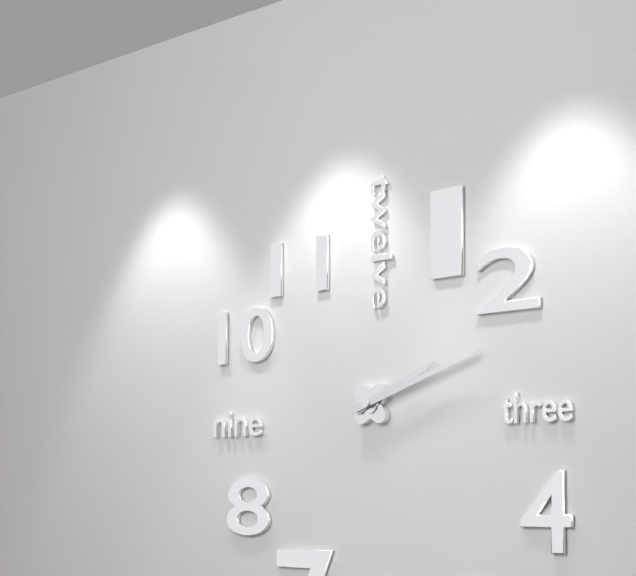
2:12
